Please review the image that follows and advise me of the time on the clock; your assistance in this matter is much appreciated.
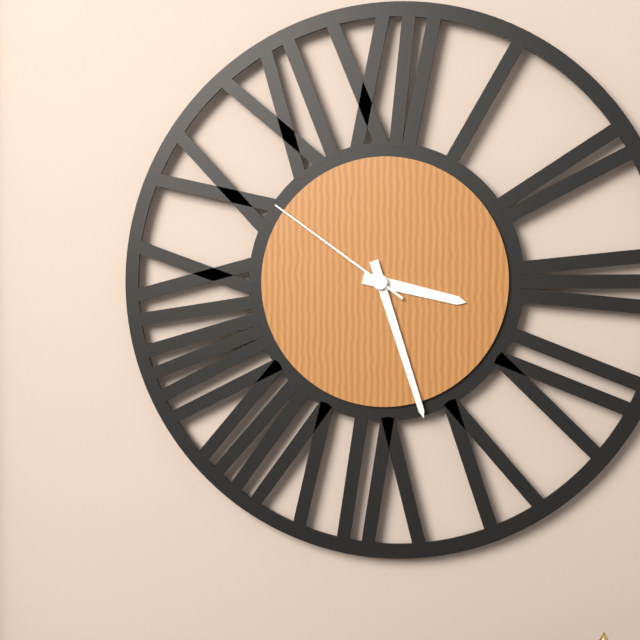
3:27:51
